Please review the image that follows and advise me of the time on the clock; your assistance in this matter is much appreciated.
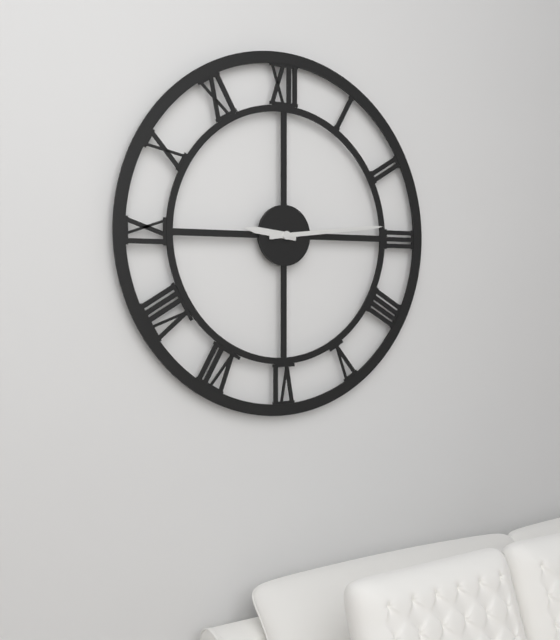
9:14
